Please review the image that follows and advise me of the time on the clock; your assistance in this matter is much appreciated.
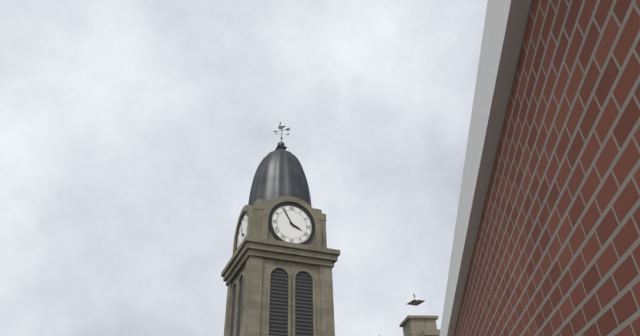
3:55
